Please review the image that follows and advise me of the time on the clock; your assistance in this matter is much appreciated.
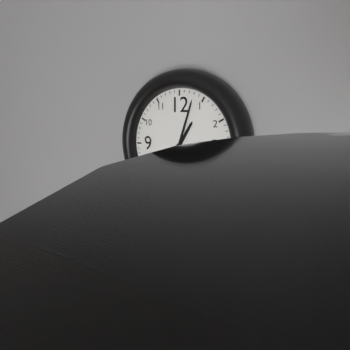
1:03
